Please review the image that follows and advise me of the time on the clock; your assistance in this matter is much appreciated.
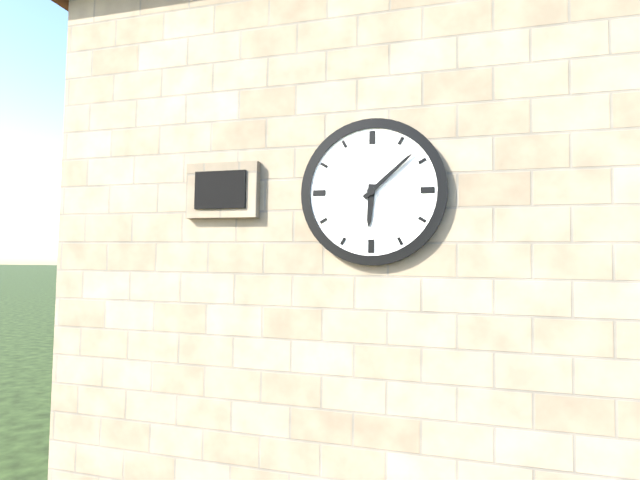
6:08
